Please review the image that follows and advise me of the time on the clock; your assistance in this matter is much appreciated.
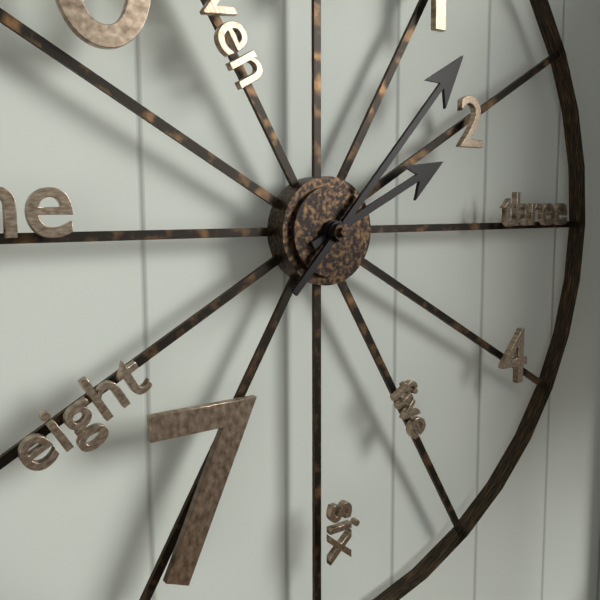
2:07
